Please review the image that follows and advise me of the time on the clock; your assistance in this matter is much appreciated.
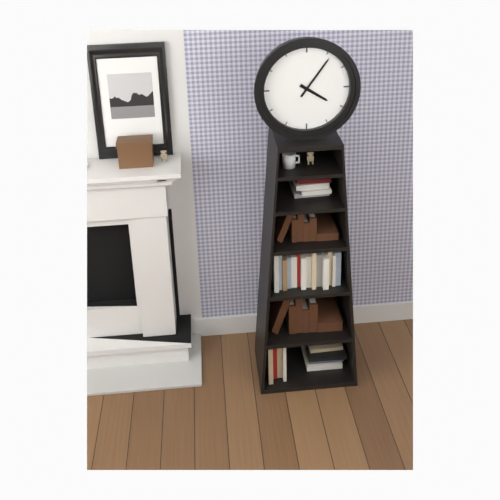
4:06
